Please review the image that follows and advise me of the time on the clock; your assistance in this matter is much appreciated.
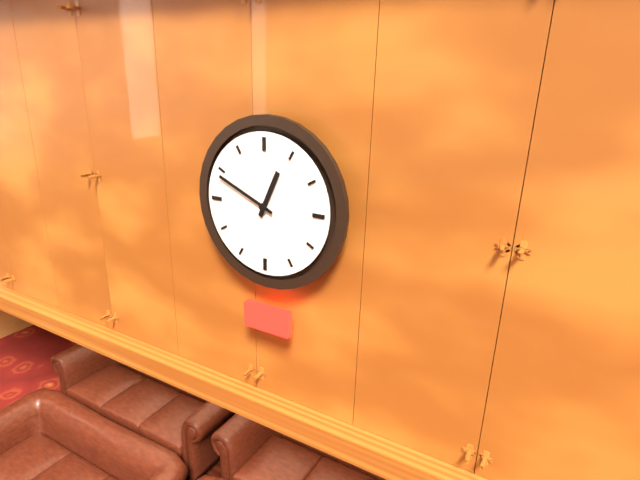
12:49
